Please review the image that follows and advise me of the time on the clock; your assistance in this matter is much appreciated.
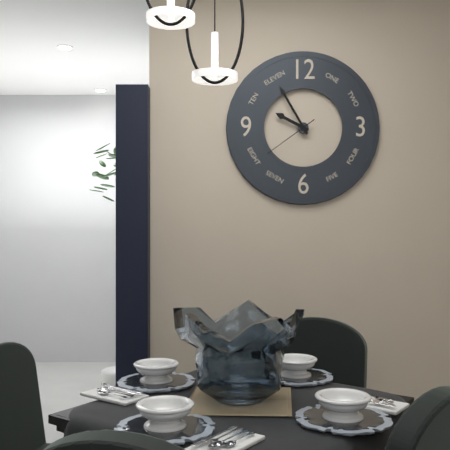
9:55:39
